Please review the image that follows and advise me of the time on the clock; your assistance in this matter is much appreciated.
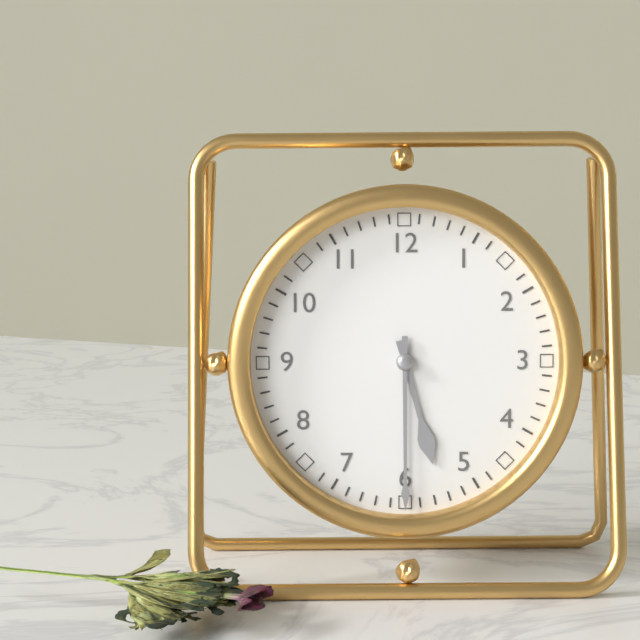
5:30
